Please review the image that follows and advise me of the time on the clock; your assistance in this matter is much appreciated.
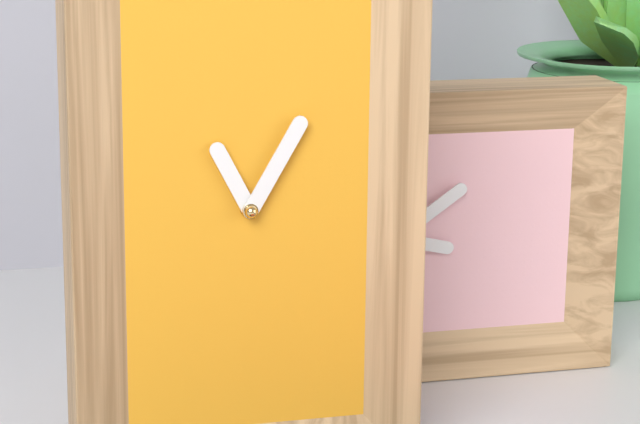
11:05
